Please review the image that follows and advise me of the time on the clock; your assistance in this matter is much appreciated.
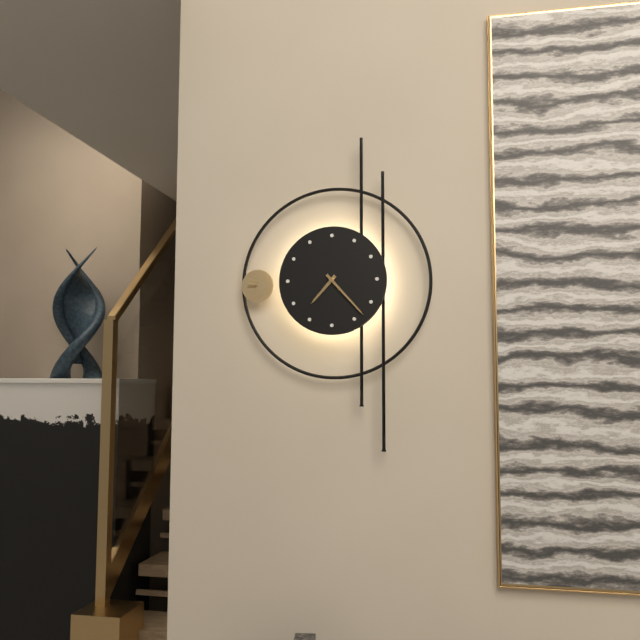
7:23
